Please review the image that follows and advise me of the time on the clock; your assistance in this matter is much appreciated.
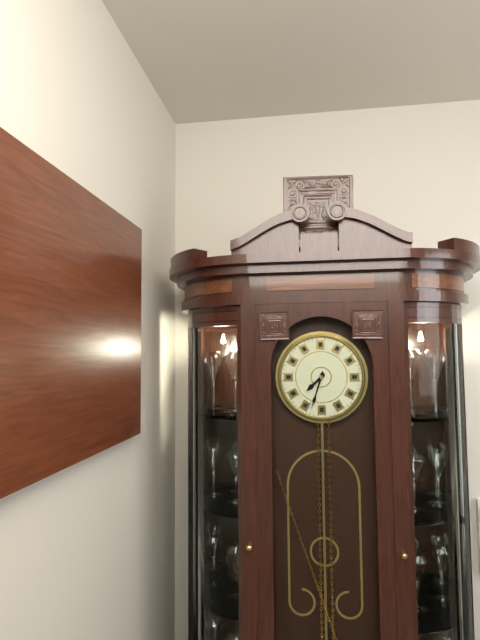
7:33
